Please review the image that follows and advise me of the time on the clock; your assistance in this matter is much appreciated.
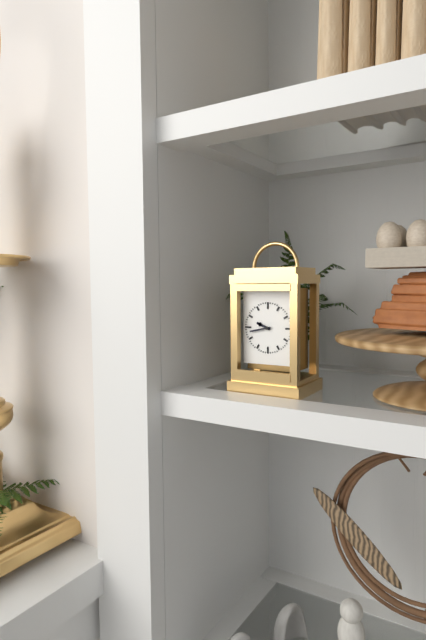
9:43
